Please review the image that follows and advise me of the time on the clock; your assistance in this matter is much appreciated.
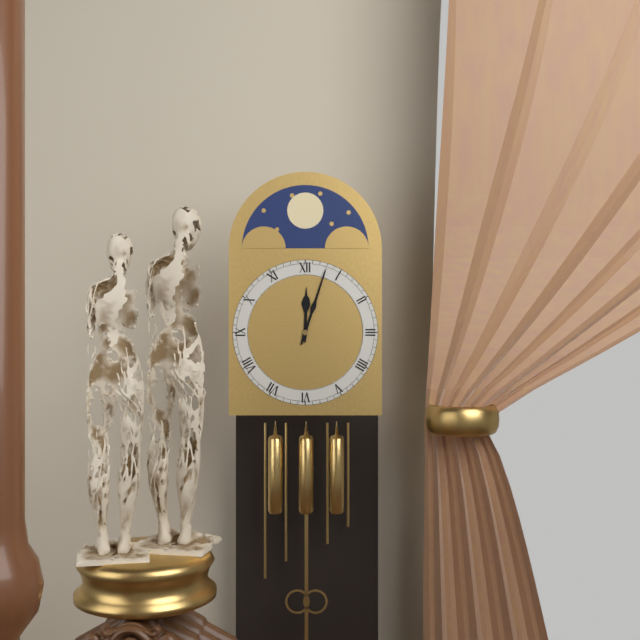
12:03
